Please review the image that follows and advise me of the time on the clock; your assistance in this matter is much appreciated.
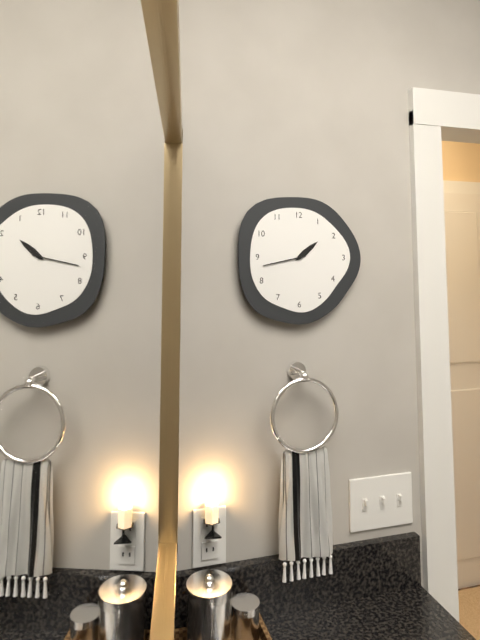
1:43
